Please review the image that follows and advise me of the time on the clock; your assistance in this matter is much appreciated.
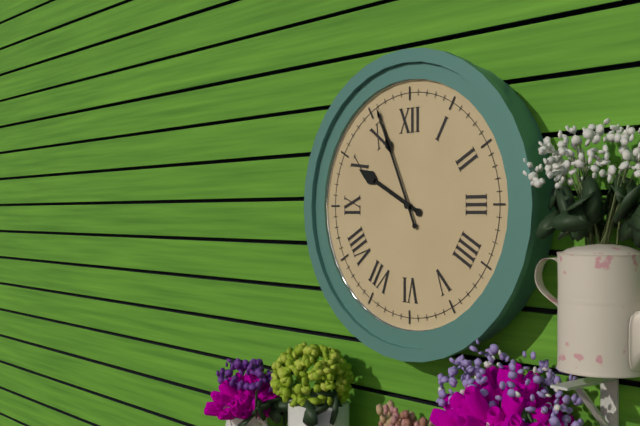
9:56
